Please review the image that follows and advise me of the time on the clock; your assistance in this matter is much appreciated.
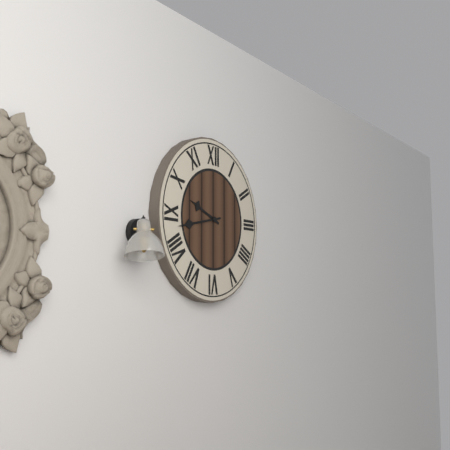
9:43
